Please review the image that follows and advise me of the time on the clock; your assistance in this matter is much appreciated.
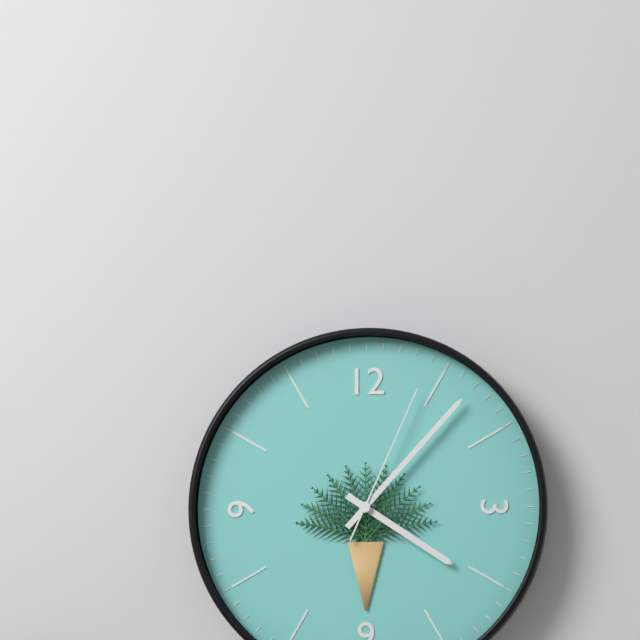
4:07:04
